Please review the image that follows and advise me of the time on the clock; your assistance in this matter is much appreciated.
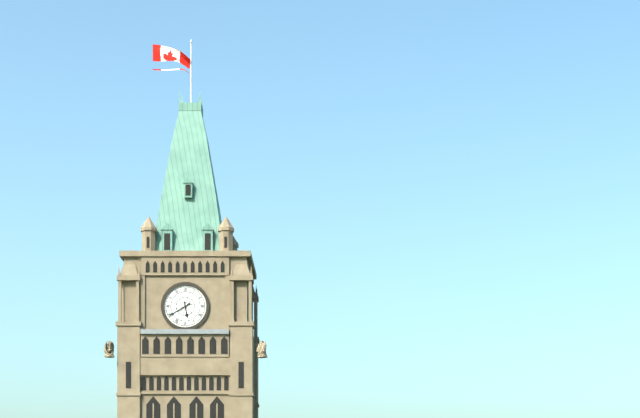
5:40
